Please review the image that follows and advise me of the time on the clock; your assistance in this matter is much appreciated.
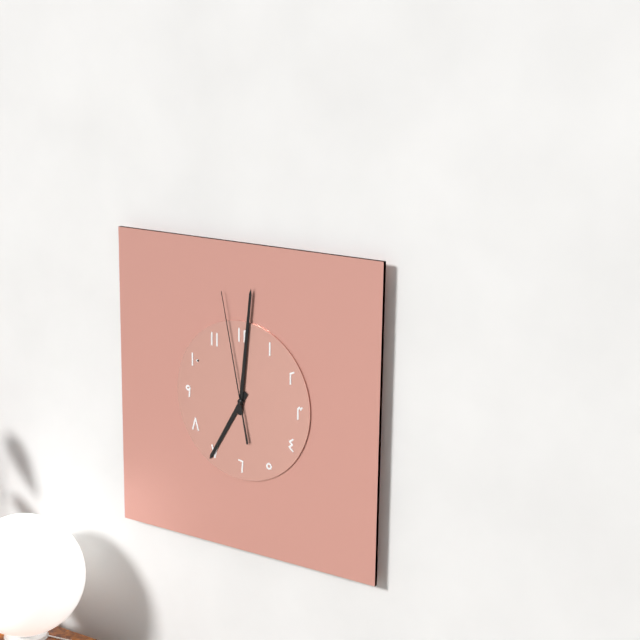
7:01:58
